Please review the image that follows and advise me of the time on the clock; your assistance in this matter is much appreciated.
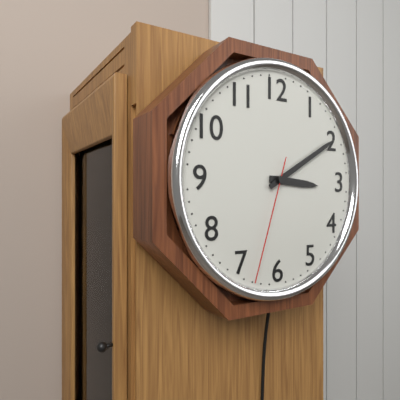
3:10:33
